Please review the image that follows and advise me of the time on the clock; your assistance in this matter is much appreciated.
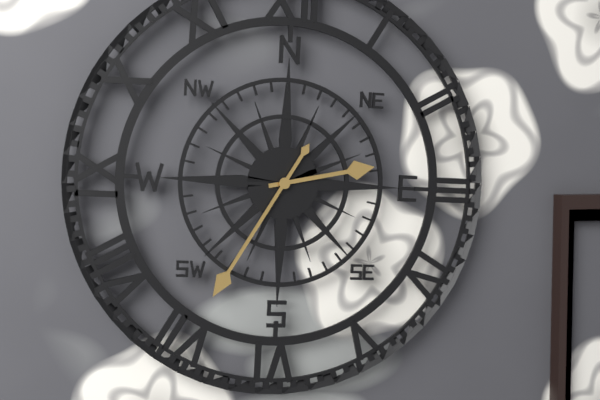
2:35
